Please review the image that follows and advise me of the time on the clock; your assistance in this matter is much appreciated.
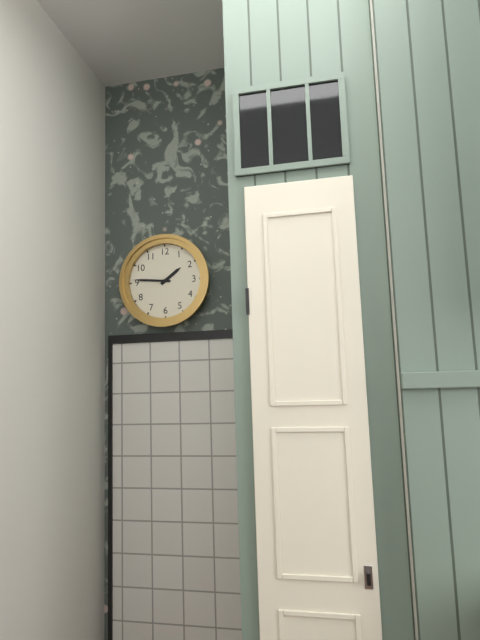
1:46
